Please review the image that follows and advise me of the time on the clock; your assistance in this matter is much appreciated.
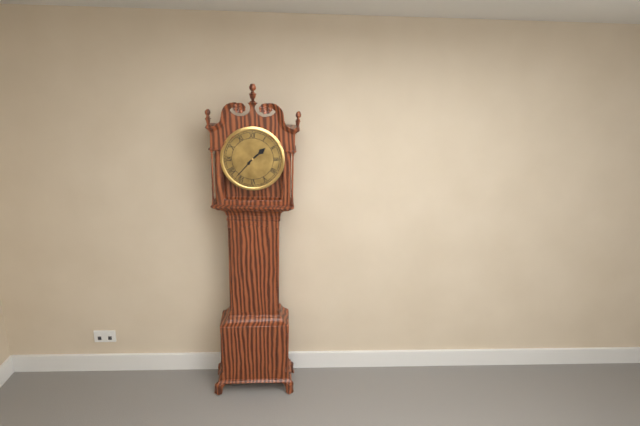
1:37
